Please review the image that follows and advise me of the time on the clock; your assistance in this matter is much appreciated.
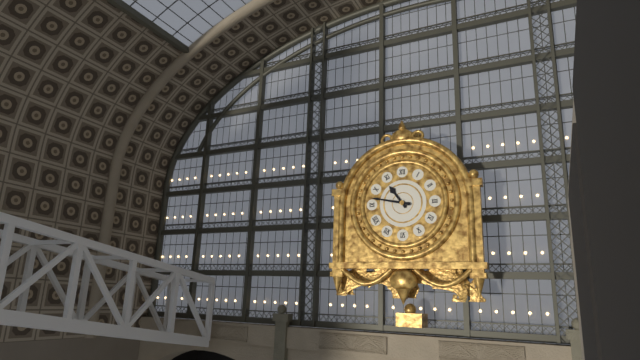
10:47
